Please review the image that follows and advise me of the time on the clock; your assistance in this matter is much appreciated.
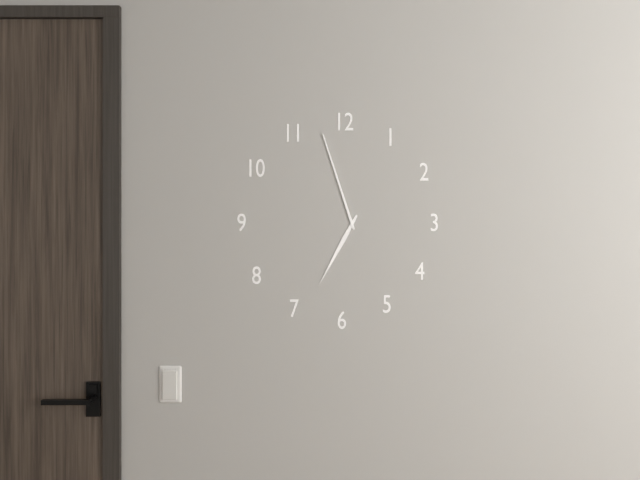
6:57
